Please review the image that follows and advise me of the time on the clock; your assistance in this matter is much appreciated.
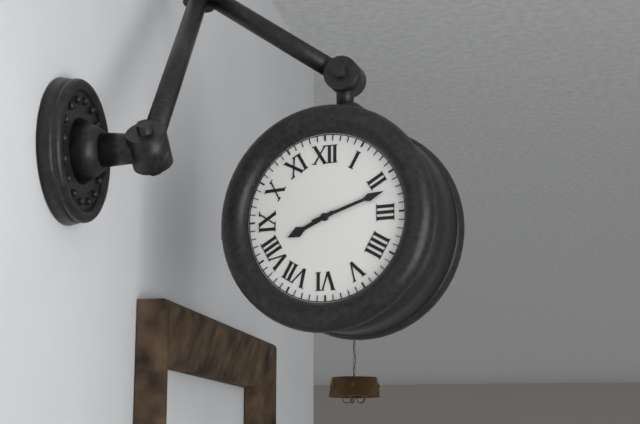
8:12
